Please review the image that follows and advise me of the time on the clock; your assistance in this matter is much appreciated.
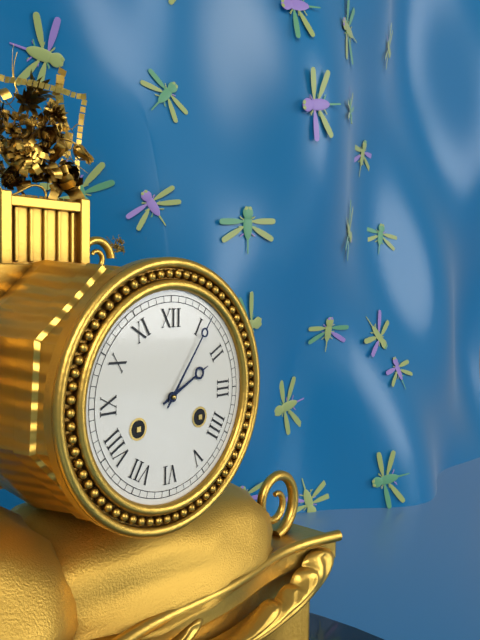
2:06
